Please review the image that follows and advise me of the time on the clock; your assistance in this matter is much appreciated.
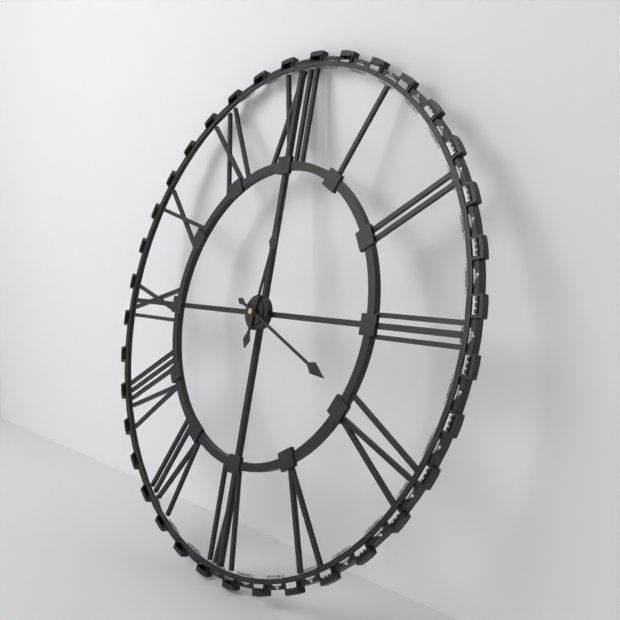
12:19
